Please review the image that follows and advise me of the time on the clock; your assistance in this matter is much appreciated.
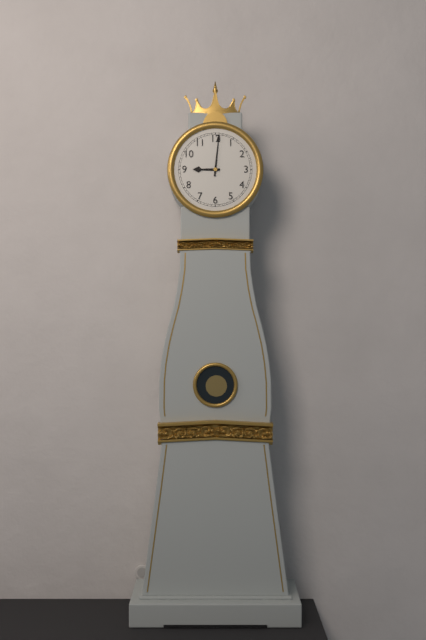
9:01
